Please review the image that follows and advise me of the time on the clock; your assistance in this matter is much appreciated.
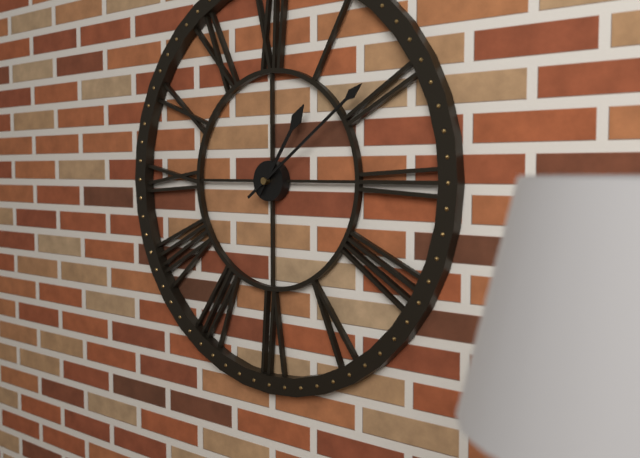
1:09
